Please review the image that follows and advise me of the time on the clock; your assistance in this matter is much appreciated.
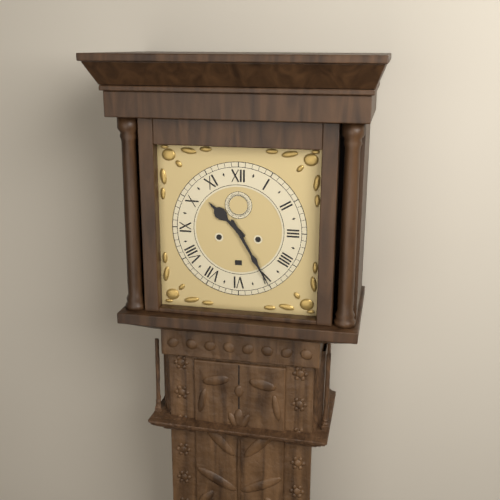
10:25
